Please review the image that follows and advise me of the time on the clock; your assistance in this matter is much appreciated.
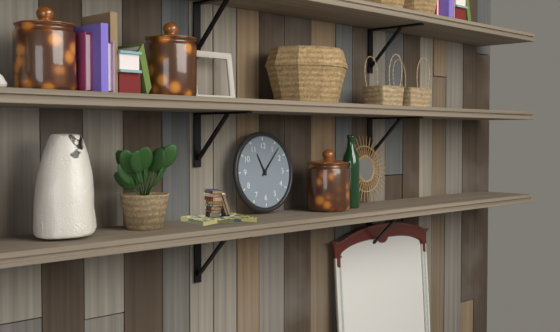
11:07
